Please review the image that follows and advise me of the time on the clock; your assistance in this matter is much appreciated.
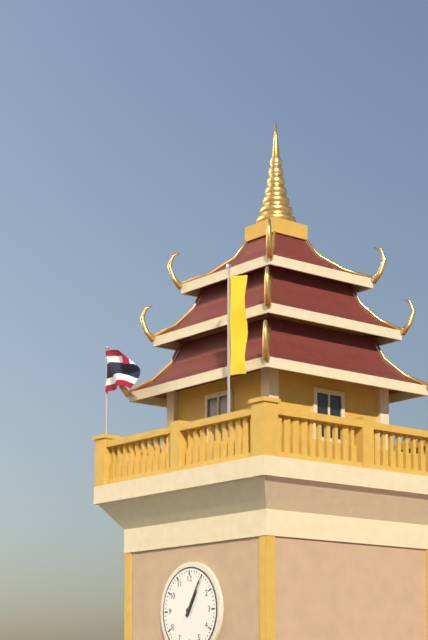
1:05
